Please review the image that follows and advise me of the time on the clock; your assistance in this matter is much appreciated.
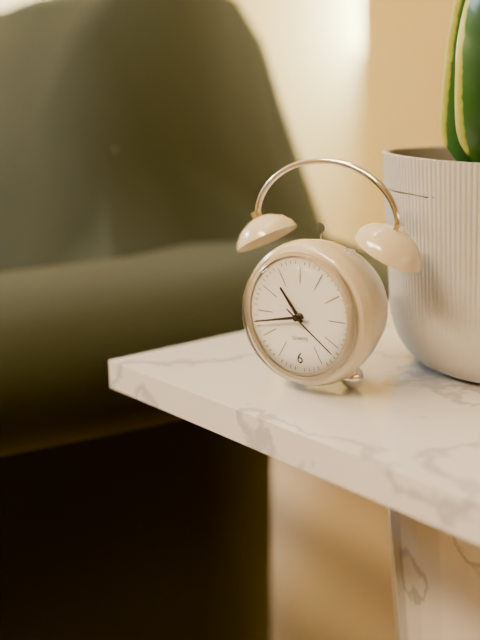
10:43:21
